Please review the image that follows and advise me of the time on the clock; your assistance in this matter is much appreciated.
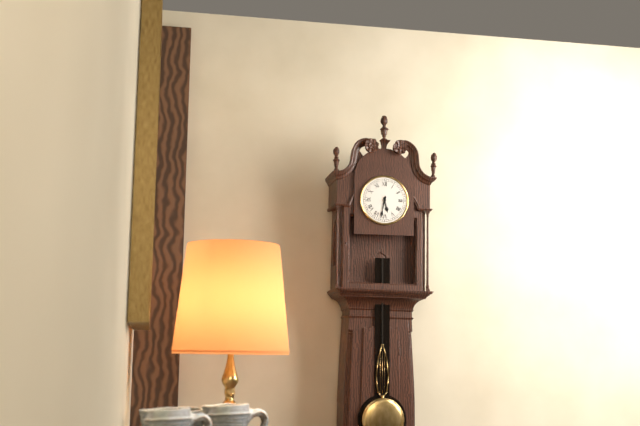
5:32
